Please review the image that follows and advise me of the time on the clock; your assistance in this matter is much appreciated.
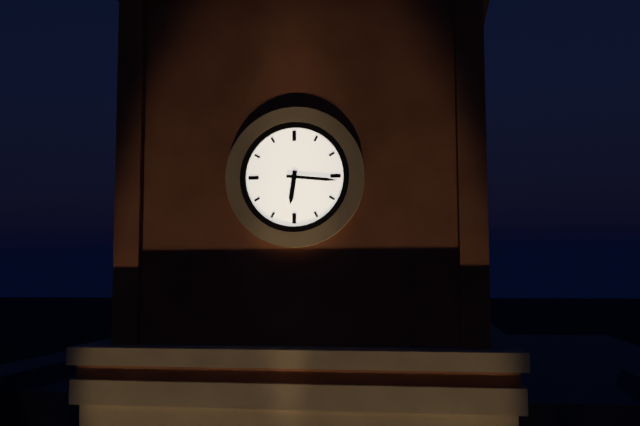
6:16
